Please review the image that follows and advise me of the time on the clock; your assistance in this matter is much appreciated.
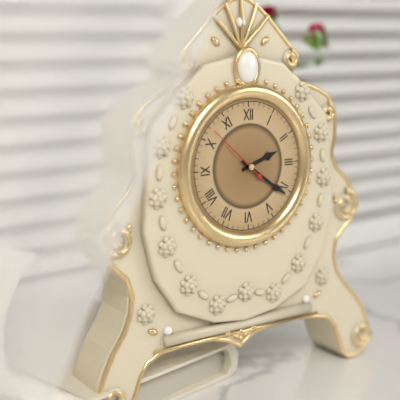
2:21:52
